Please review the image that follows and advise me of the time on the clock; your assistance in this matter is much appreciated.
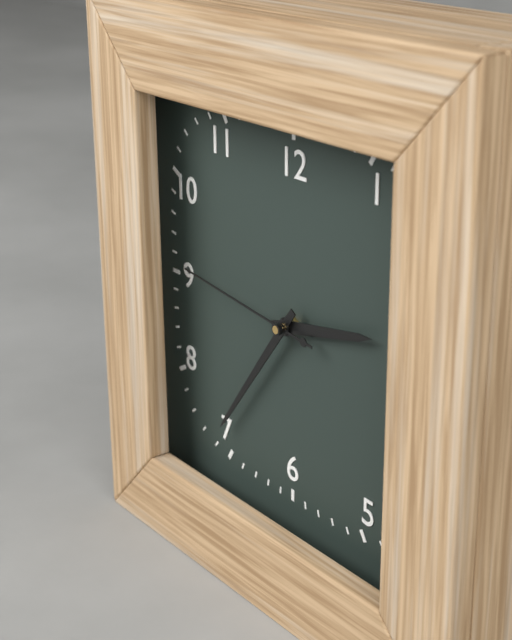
2:36:46
